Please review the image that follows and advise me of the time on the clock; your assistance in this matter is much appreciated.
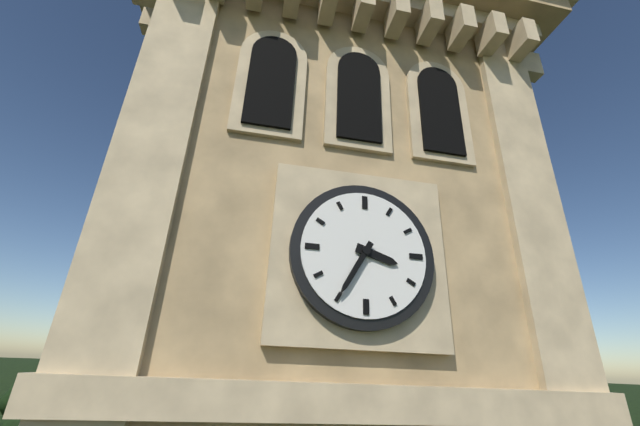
3:35
